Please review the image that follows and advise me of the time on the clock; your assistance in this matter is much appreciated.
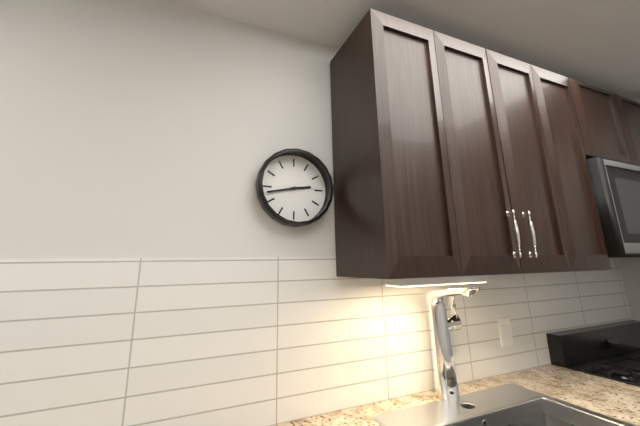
2:43
